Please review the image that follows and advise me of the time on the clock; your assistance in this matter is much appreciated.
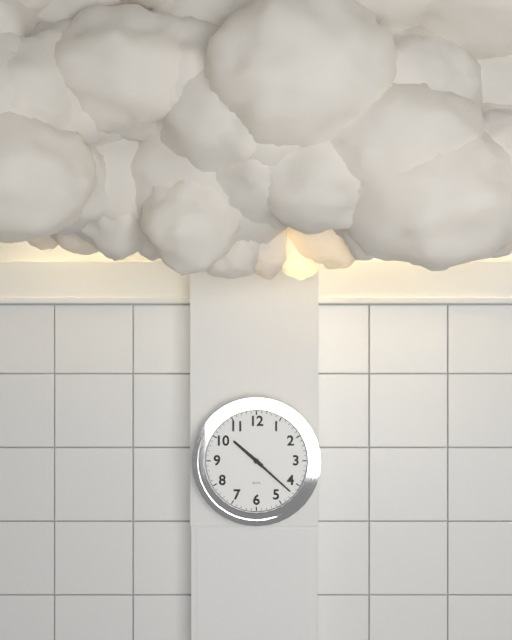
10:22
